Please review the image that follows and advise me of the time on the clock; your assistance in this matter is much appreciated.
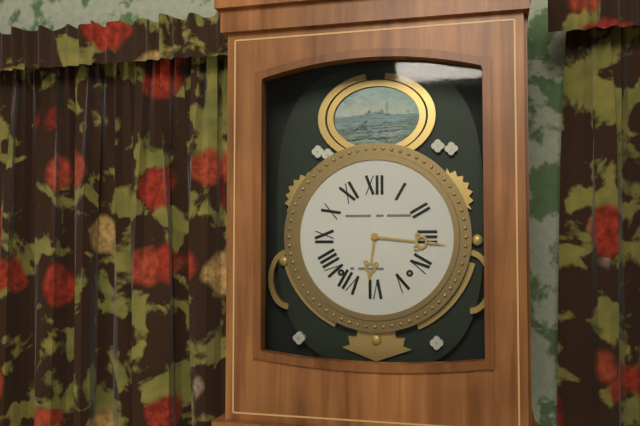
6:16
